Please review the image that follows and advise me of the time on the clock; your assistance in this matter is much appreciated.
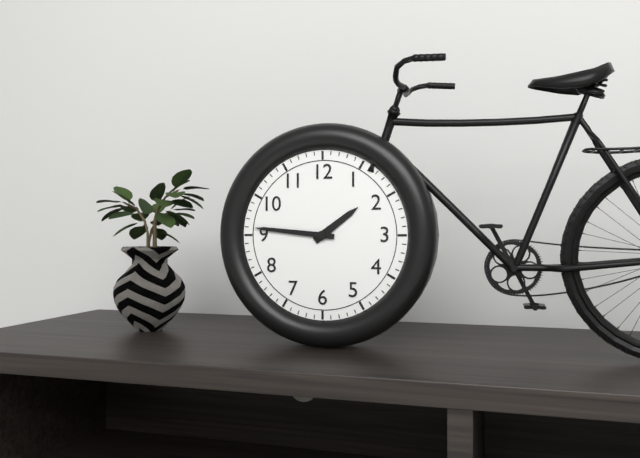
1:46
